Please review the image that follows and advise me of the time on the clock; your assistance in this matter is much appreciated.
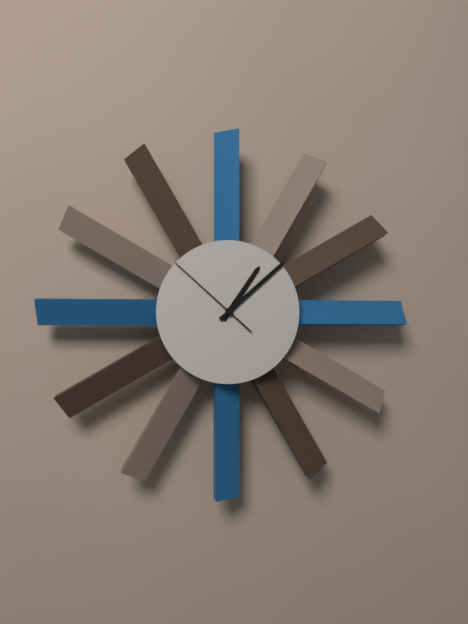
1:08:52
